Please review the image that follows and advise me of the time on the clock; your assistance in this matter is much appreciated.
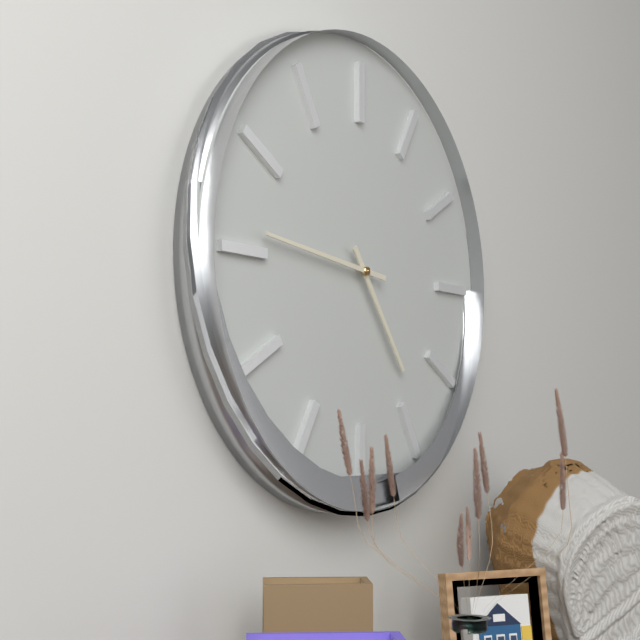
4:46
